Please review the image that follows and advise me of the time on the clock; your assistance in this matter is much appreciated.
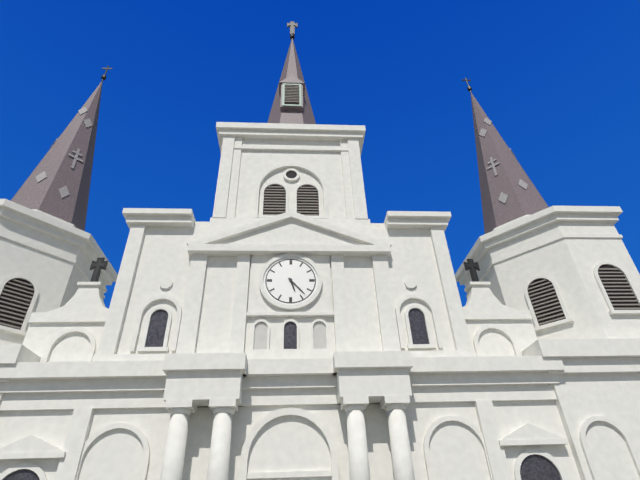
5:23
